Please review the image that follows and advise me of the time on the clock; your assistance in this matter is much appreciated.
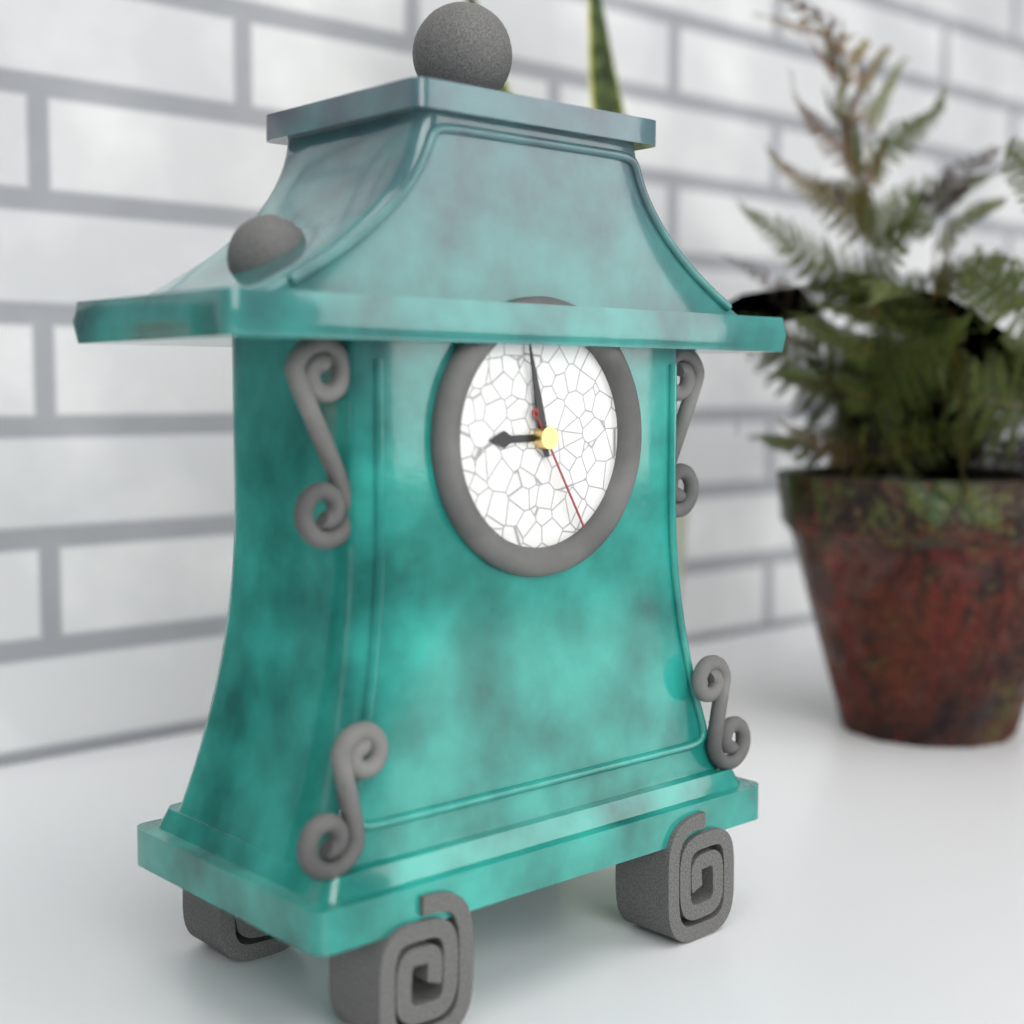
8:58:25
